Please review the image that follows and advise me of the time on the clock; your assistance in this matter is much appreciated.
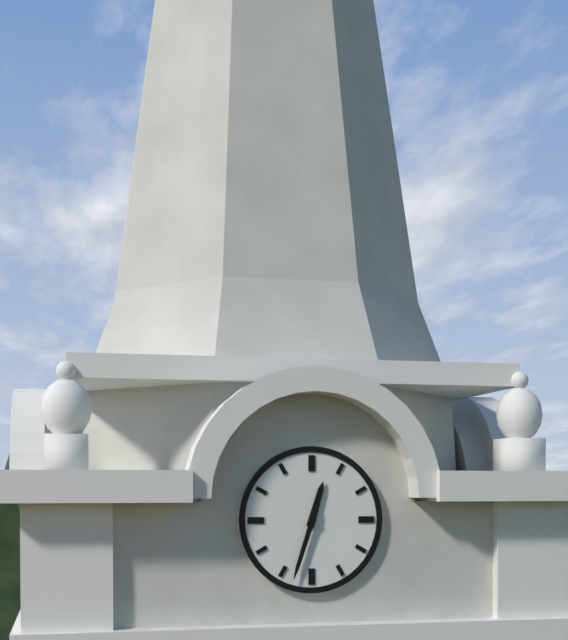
12:33
